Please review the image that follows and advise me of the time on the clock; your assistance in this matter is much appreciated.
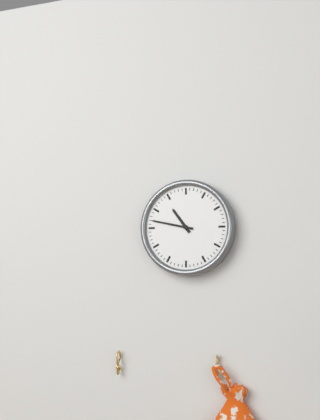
10:47
